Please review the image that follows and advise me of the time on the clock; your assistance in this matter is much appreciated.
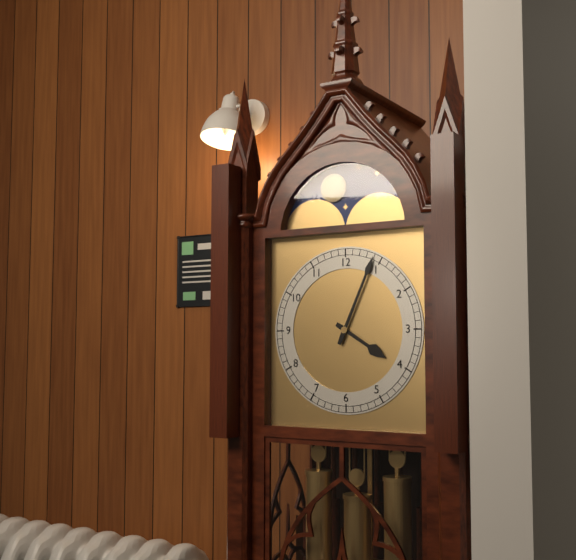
4:04
